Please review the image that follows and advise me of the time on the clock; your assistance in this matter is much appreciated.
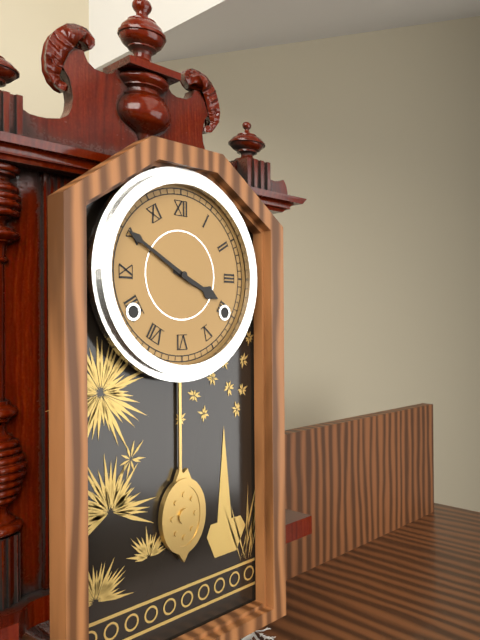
3:50
